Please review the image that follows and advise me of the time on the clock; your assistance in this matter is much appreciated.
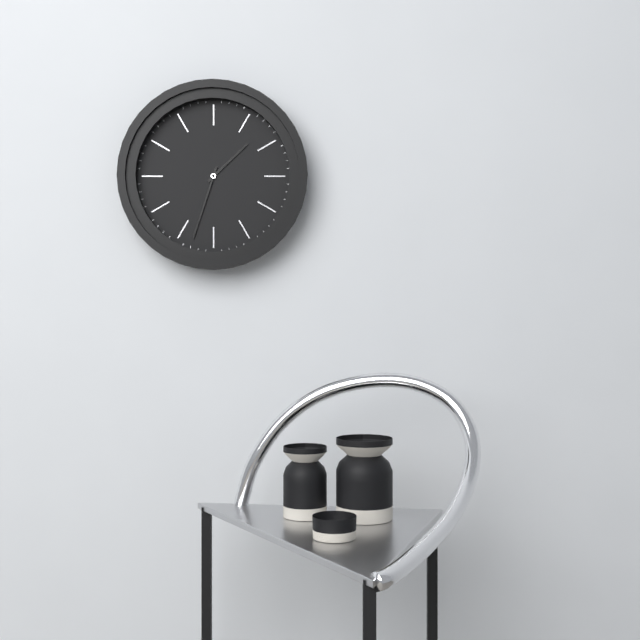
1:33
